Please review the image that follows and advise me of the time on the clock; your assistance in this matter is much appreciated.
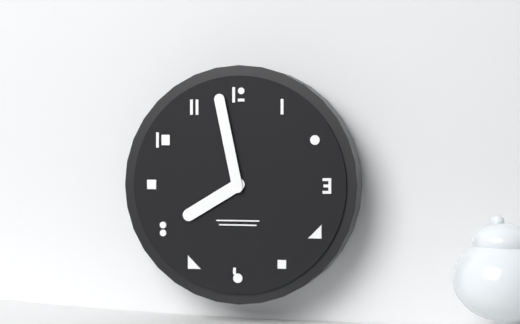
7:58
